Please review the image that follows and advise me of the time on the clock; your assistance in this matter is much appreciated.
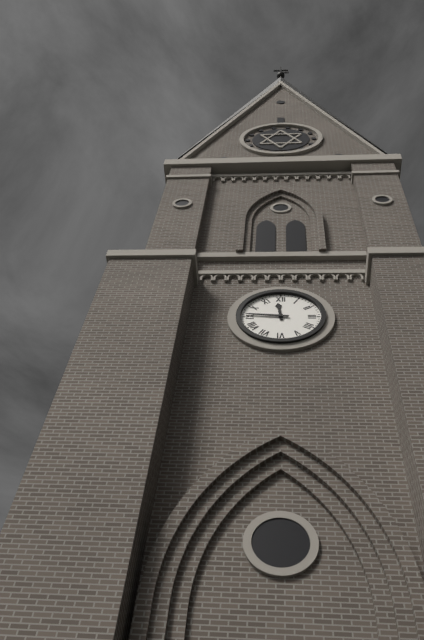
11:46
